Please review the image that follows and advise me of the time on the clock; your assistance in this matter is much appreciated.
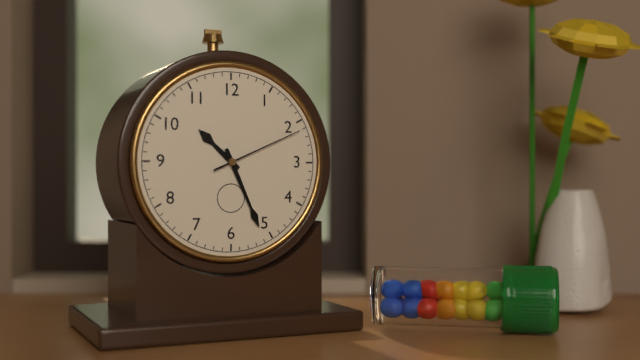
10:26:11
